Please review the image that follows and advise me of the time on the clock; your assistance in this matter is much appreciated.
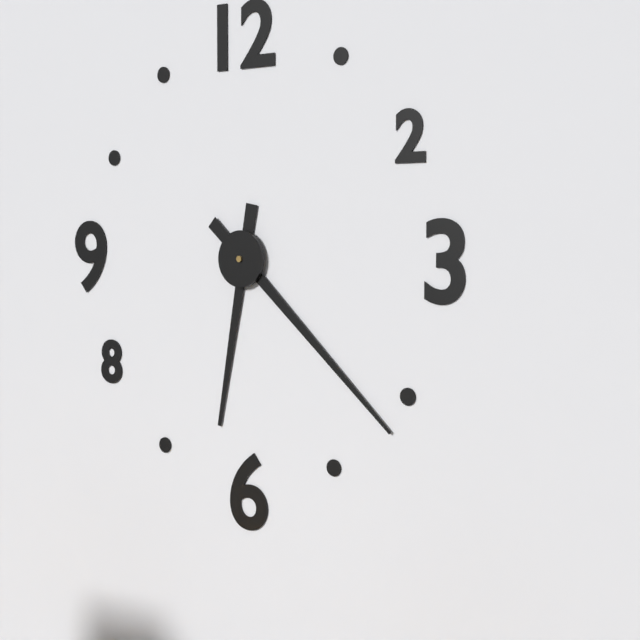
6:22
